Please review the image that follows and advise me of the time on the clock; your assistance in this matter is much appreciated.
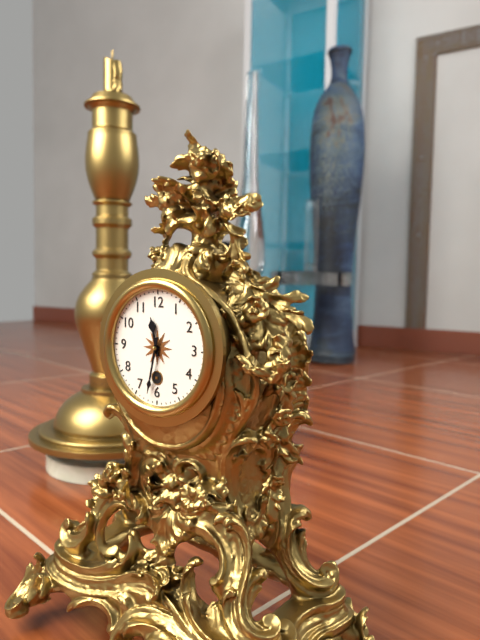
11:32
